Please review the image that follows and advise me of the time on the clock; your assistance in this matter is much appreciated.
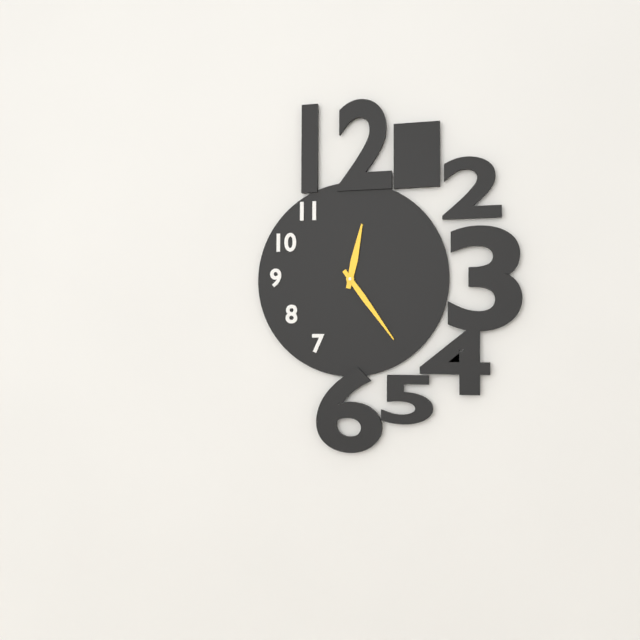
12:24
